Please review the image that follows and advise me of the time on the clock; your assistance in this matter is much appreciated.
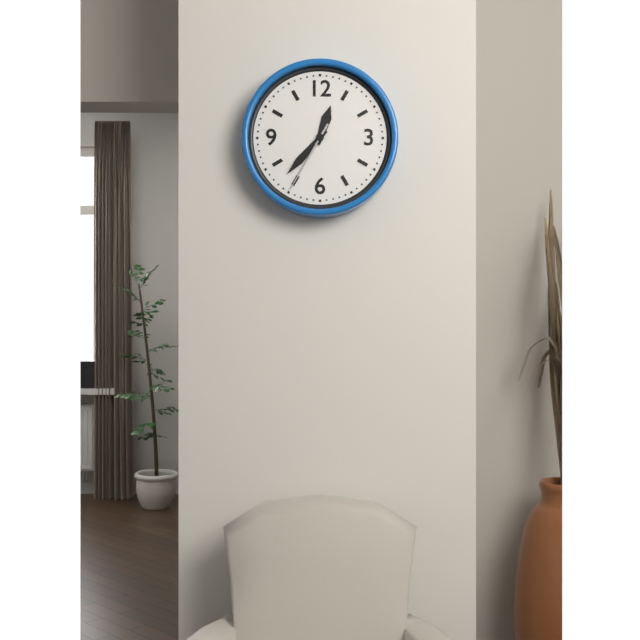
12:37:35
